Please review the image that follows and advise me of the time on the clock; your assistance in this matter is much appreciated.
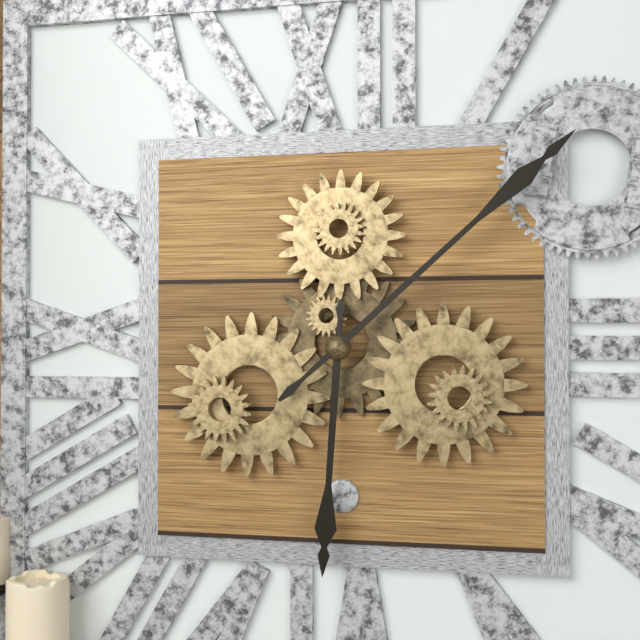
6:08
